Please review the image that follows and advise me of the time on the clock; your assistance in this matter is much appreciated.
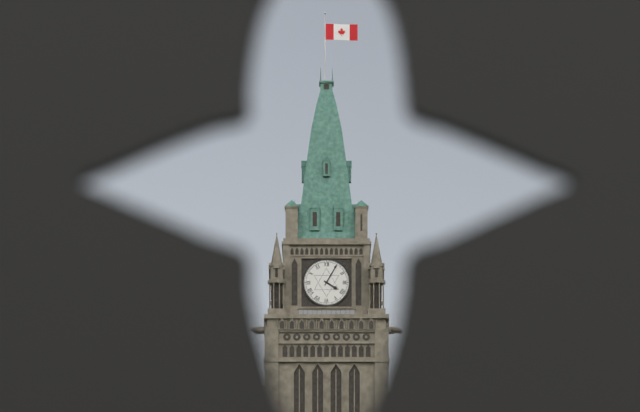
4:05
